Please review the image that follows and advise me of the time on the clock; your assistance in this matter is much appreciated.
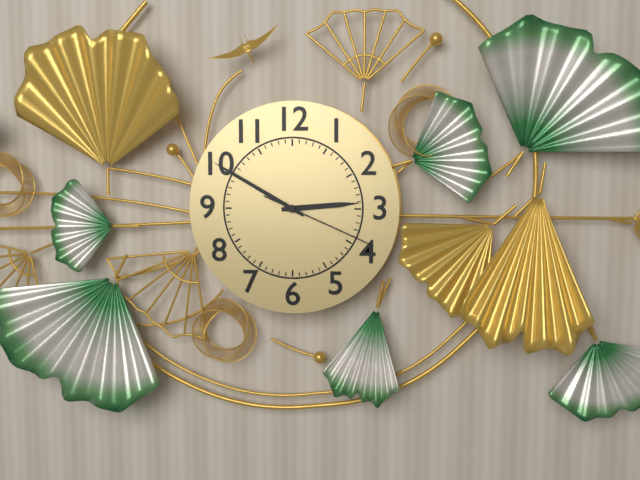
2:50:19
